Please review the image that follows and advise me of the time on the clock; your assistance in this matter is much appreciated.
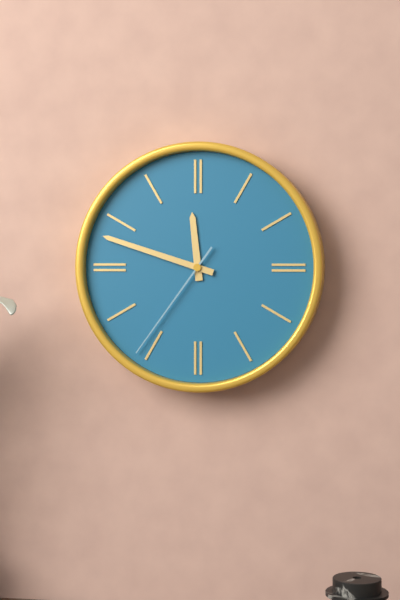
11:48:36
